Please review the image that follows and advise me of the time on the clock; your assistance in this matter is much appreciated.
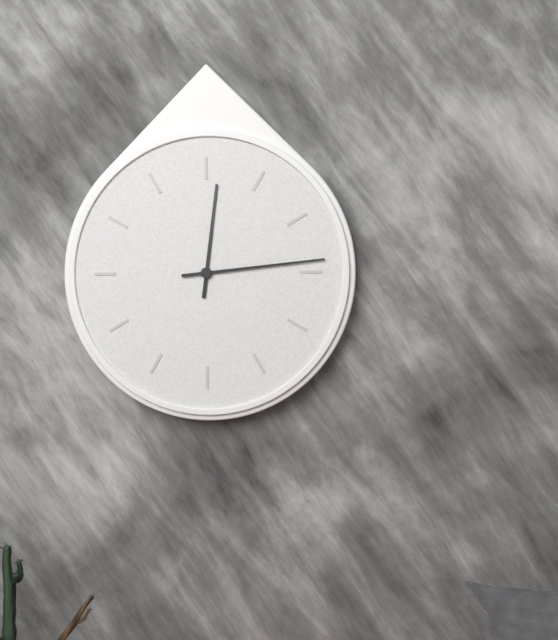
12:14
